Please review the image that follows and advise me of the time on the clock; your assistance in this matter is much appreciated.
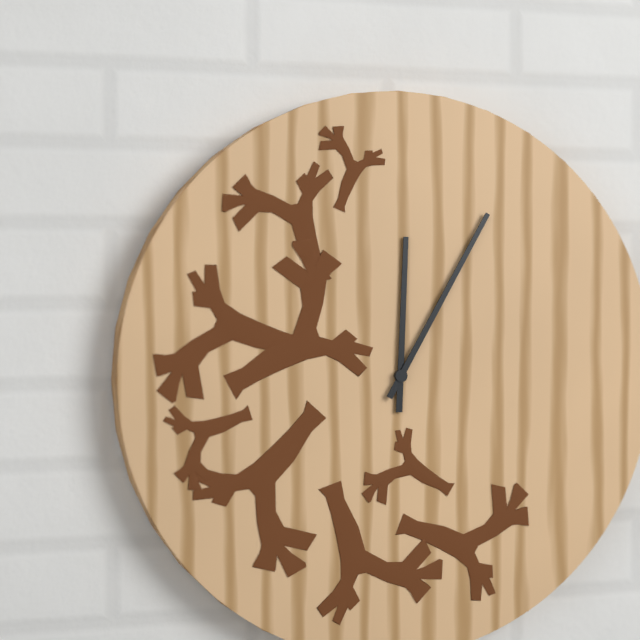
12:05
